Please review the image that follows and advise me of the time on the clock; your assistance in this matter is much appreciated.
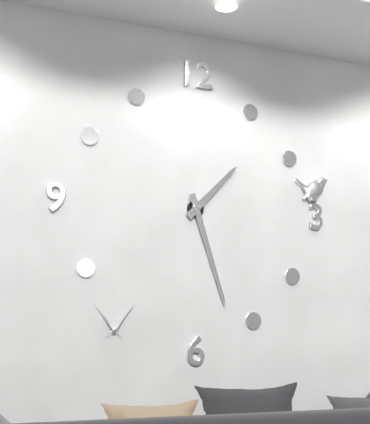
1:27
